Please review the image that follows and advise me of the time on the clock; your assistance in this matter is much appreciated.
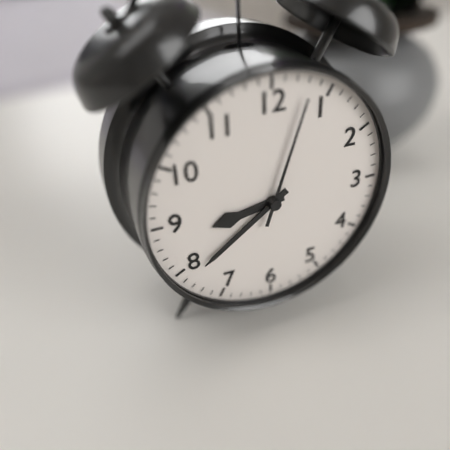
8:39:03
